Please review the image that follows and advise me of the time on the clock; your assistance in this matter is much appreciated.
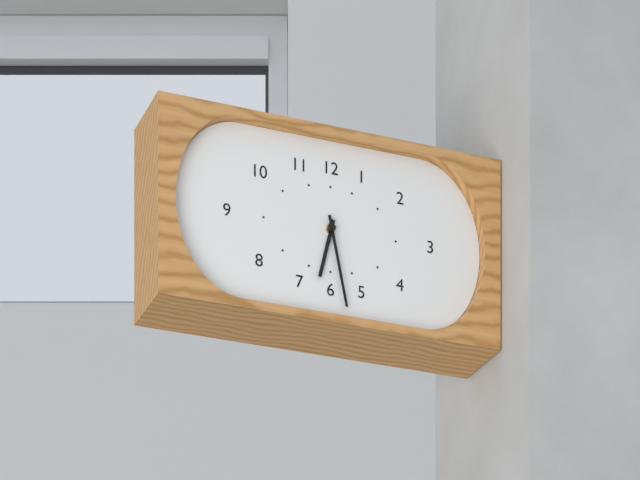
6:28
